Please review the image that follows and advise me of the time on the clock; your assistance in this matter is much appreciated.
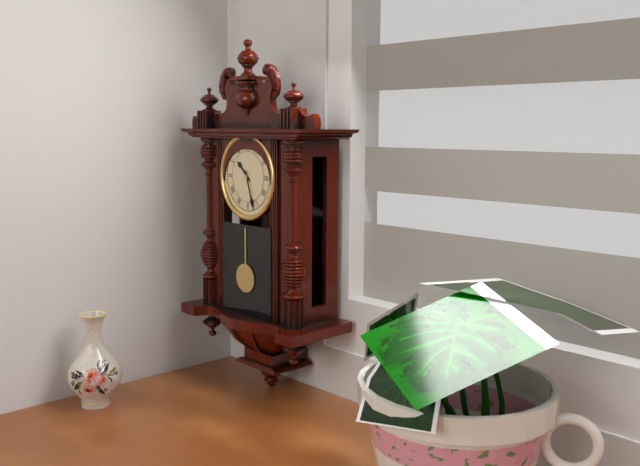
10:27
